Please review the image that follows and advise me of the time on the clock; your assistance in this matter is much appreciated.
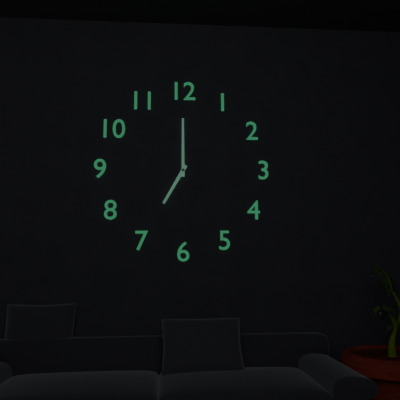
7:00
